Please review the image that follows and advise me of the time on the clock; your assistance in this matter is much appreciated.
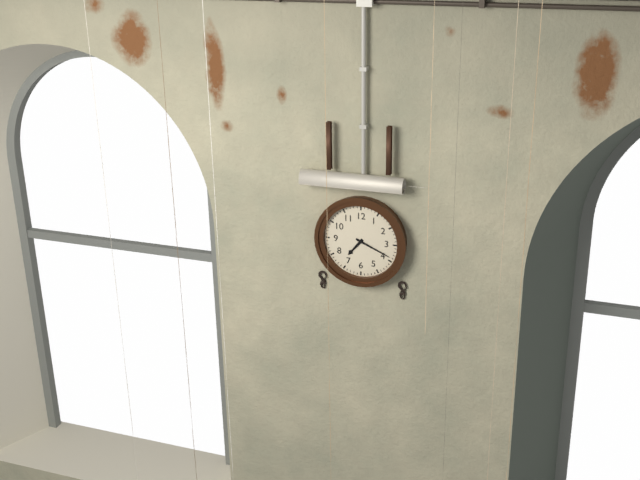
7:19
